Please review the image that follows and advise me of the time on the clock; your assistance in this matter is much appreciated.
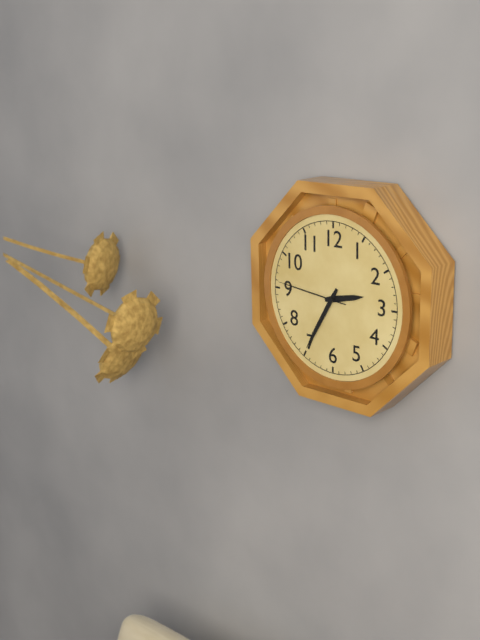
2:35:46
